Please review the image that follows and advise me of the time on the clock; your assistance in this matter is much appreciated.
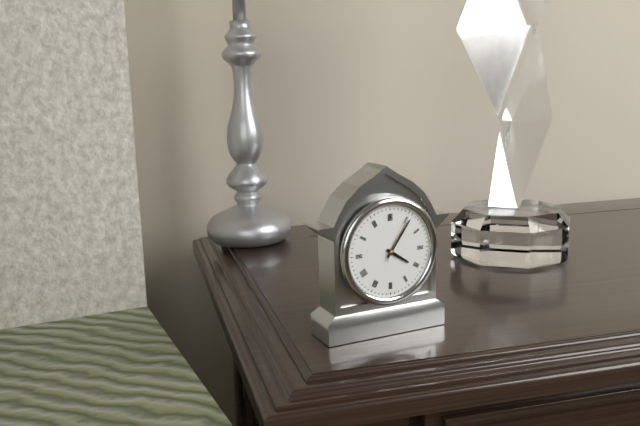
4:06:05
